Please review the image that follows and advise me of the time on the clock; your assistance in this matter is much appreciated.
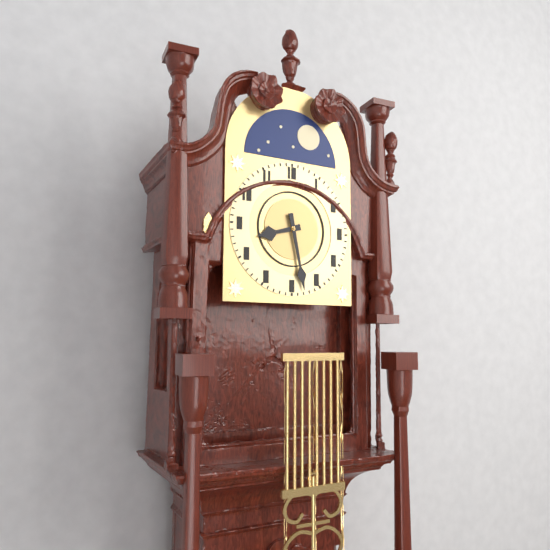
8:28
